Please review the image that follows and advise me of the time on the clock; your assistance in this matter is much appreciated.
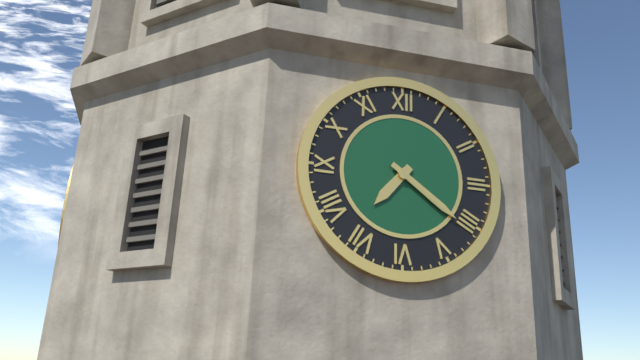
7:21
